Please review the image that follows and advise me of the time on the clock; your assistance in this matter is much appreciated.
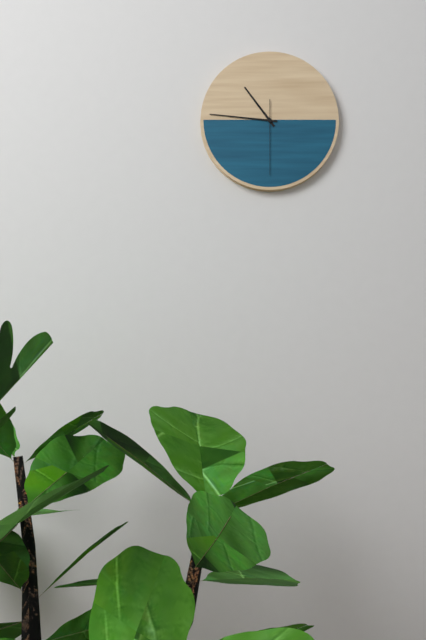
10:46:30
